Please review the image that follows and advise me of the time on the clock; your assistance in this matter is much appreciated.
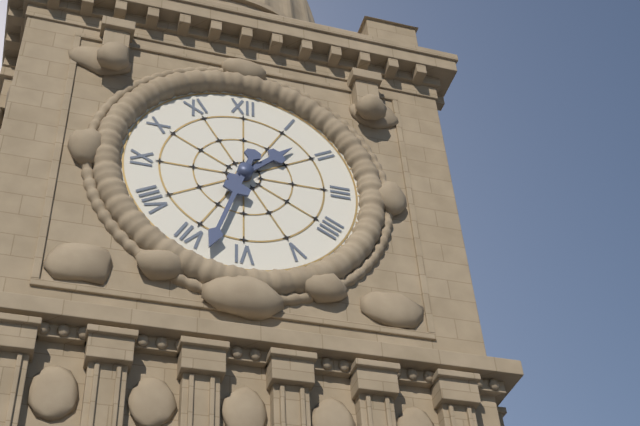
1:33
